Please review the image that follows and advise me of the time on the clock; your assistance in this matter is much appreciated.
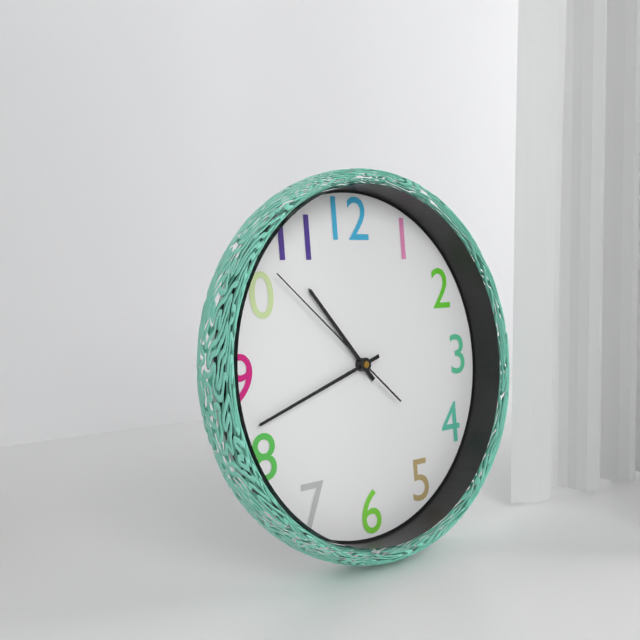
10:42:52
